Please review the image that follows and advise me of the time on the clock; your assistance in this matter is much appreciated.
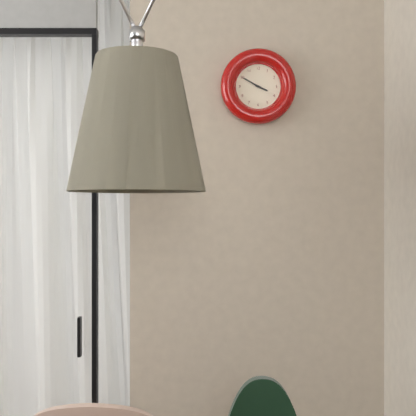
3:50
